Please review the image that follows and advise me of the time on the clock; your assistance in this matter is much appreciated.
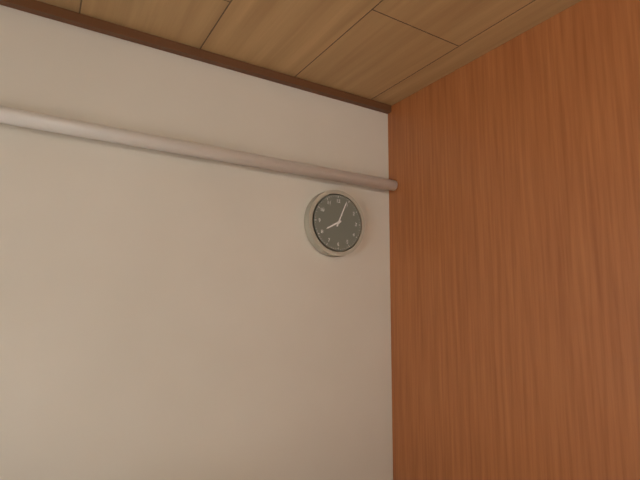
8:04
